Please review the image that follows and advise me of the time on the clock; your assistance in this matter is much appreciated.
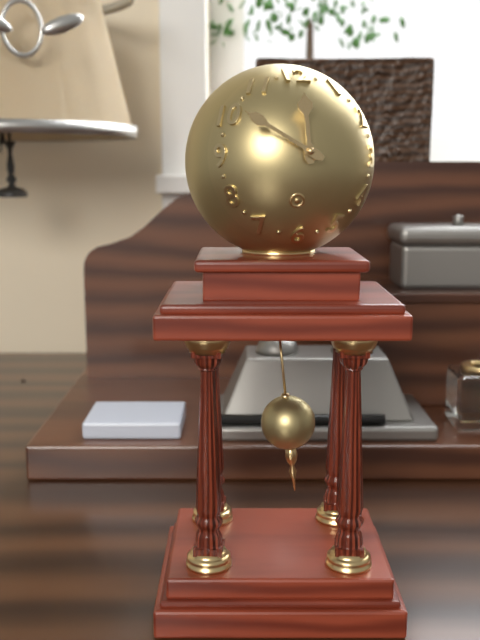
11:50
